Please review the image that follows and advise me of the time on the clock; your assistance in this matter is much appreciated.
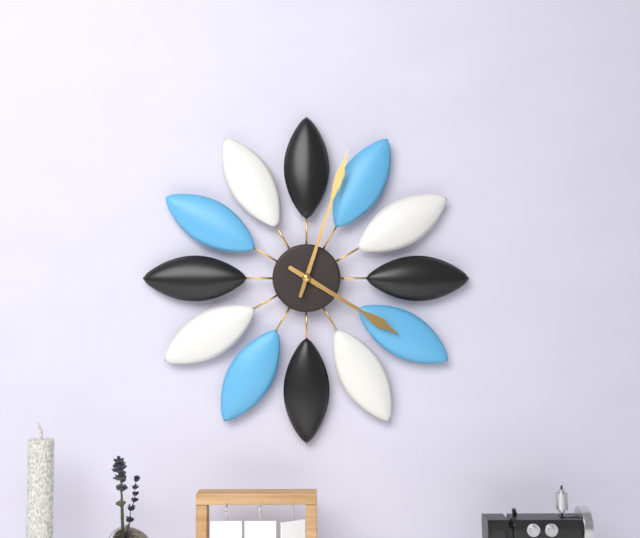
4:03
